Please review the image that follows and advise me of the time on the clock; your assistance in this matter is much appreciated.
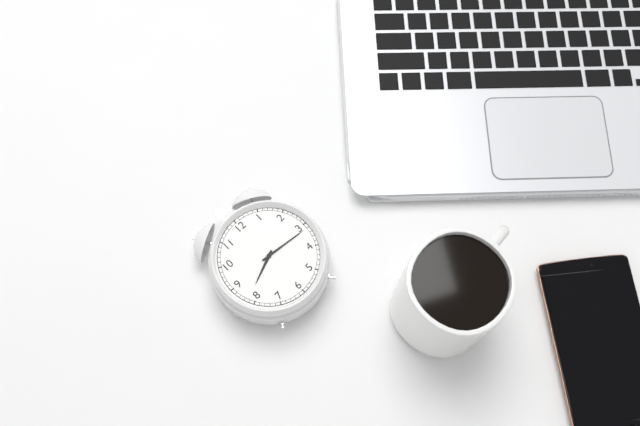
8:16
